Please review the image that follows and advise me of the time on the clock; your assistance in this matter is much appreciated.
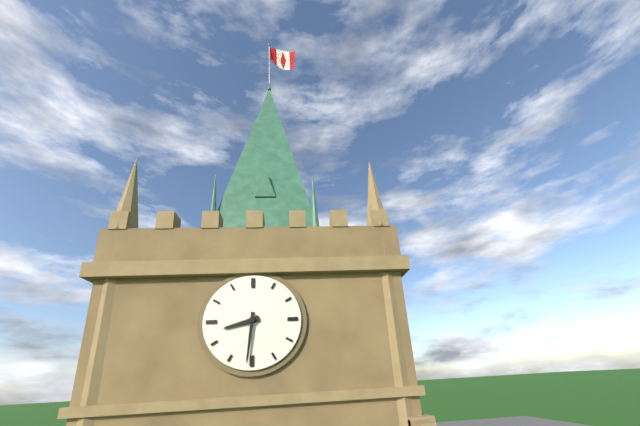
8:31
